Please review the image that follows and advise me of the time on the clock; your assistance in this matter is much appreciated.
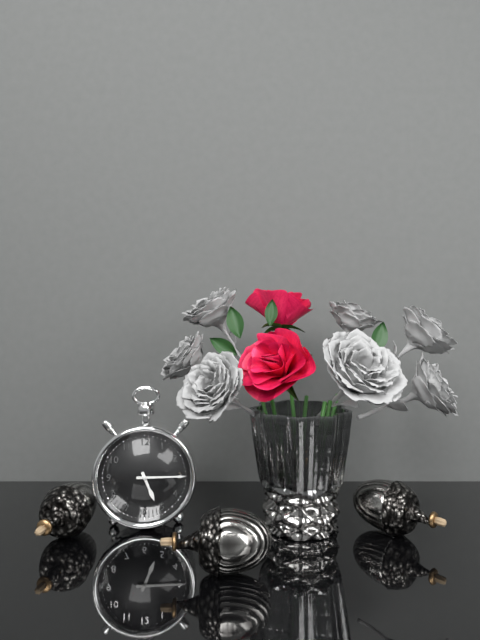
5:15
